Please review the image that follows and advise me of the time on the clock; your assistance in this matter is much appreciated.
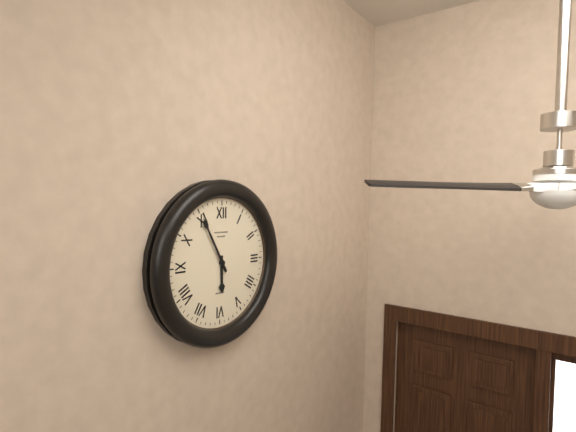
5:55
